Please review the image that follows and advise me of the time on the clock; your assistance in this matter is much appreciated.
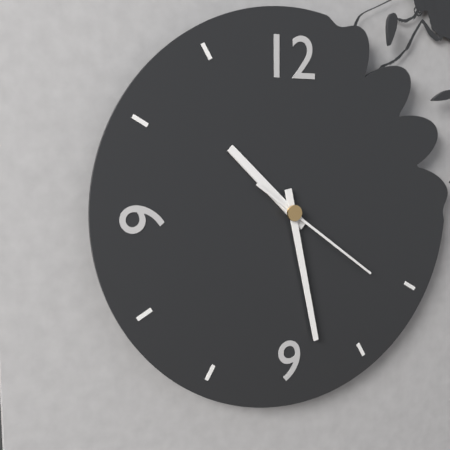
10:28:21
